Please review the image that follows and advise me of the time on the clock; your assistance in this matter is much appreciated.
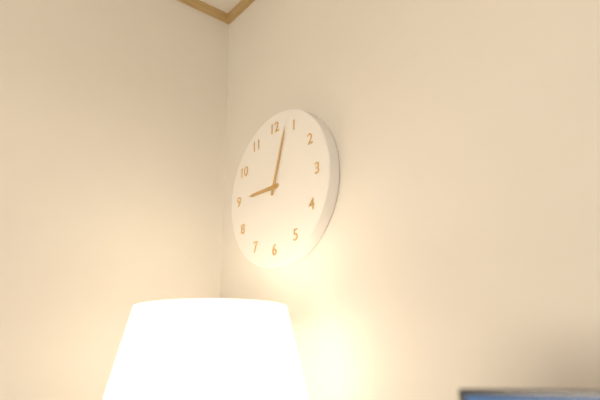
9:03
